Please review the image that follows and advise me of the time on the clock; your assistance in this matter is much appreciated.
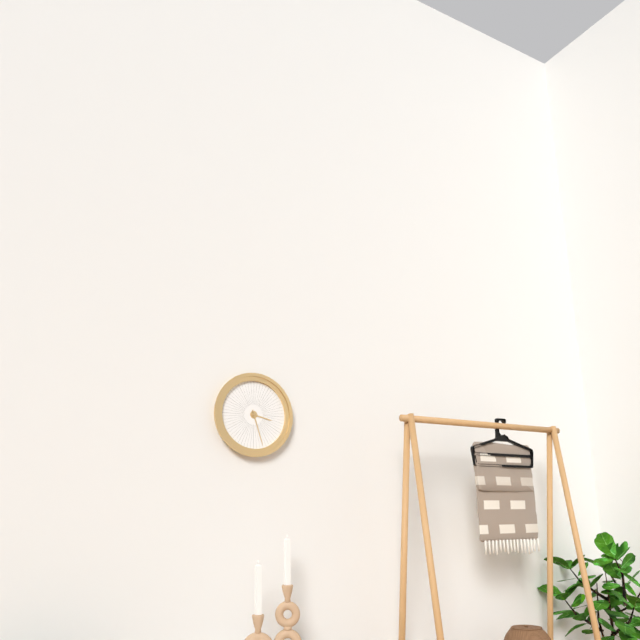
3:27
